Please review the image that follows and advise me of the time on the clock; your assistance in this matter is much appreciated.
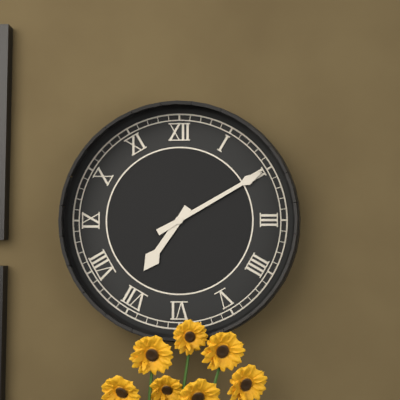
7:10
